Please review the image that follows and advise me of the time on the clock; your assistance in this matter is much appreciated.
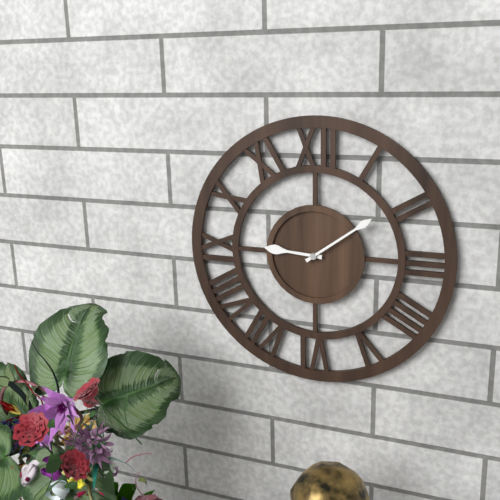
9:09
